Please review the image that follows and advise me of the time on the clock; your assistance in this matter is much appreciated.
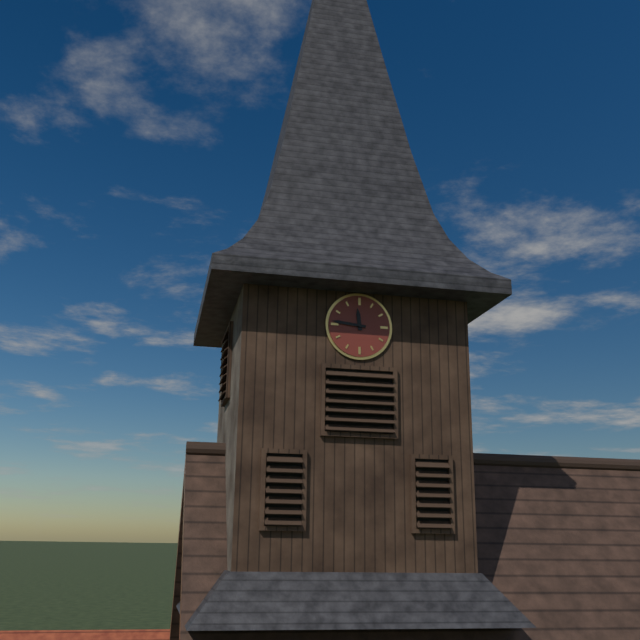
11:46
